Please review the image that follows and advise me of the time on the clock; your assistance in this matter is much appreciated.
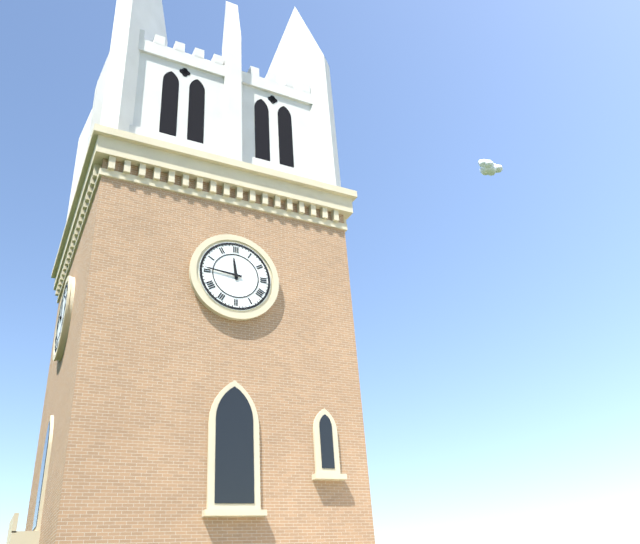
11:46
